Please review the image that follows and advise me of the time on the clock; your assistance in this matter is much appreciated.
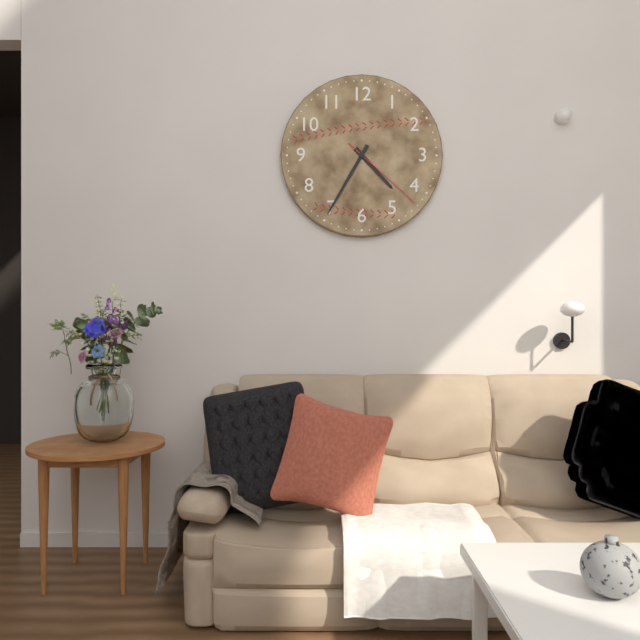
4:35:22
